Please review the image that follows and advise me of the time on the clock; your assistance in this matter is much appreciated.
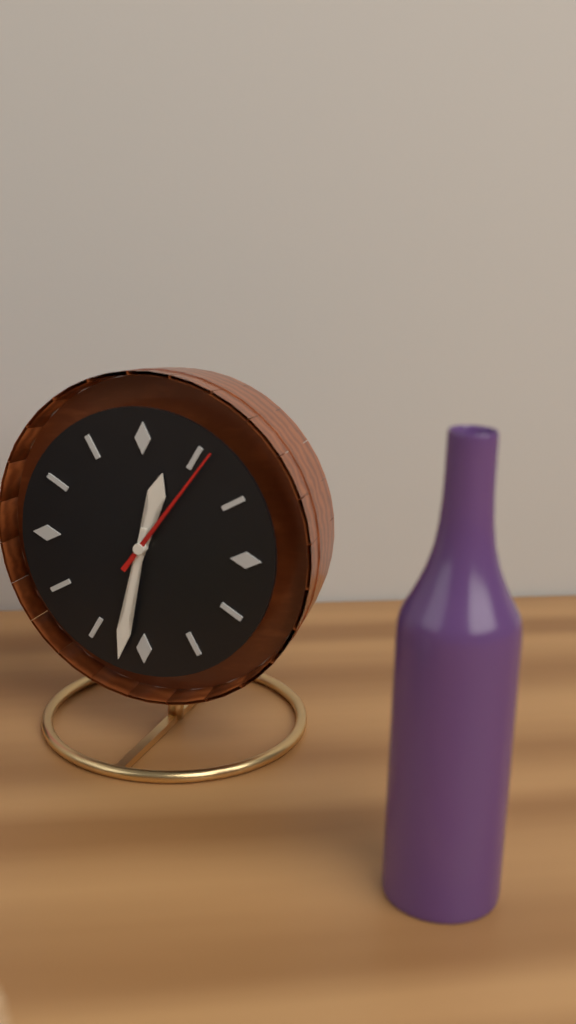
12:32:06
